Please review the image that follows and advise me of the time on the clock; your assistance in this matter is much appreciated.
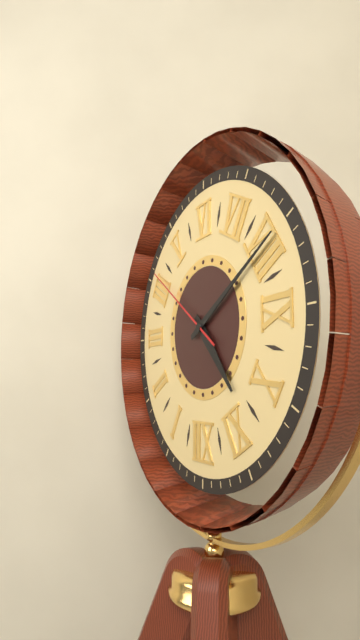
10:40:21
